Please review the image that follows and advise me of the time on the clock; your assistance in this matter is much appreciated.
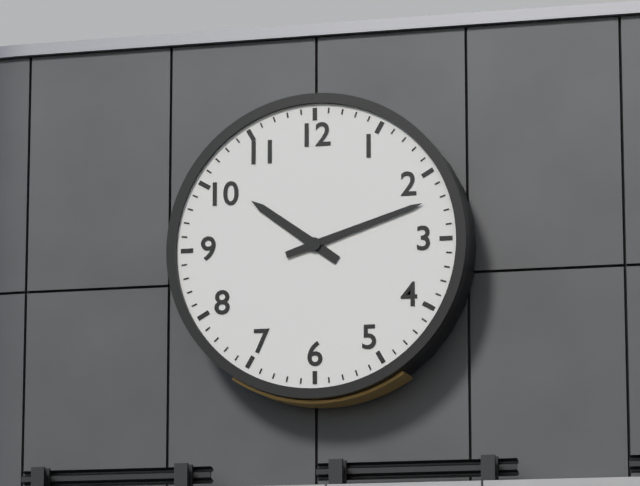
10:12
